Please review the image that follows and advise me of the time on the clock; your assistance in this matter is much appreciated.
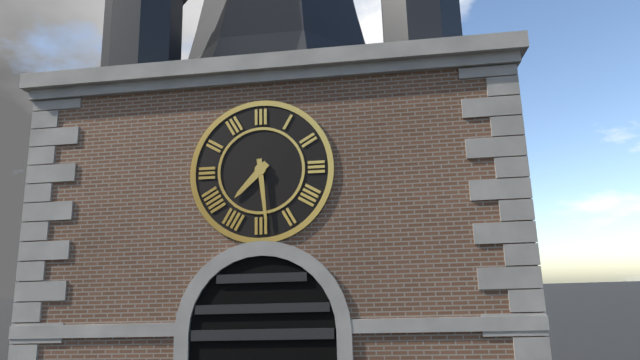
7:29
